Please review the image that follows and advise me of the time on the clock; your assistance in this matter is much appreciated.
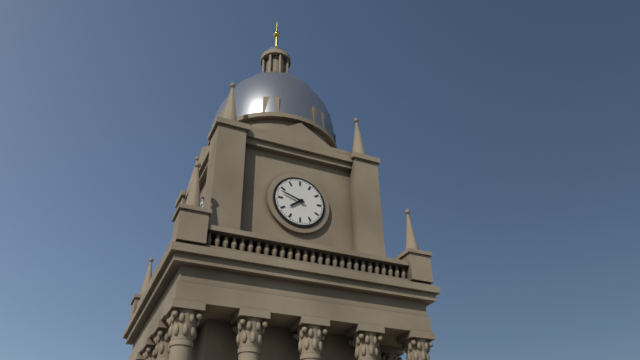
7:48
